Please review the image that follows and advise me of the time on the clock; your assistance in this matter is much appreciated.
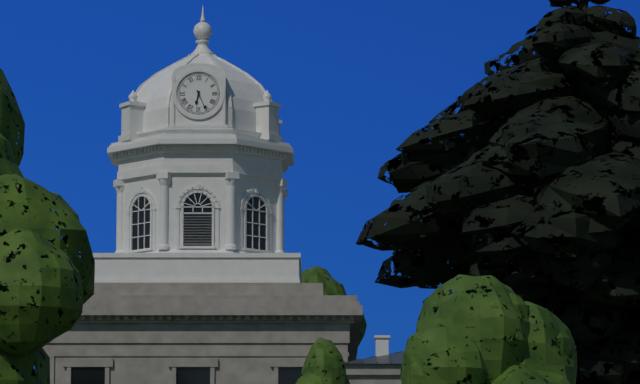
6:26
